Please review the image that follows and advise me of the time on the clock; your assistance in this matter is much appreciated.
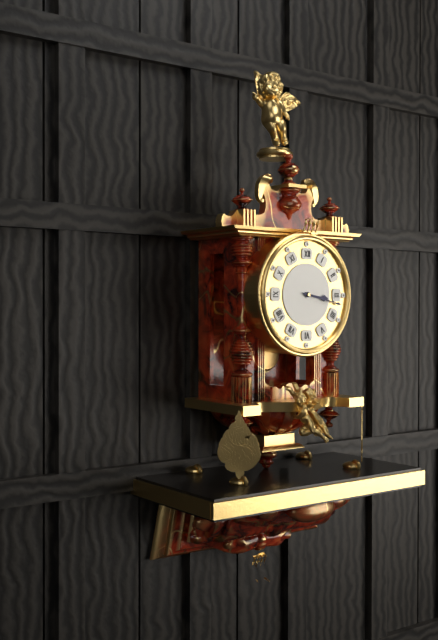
3:17
